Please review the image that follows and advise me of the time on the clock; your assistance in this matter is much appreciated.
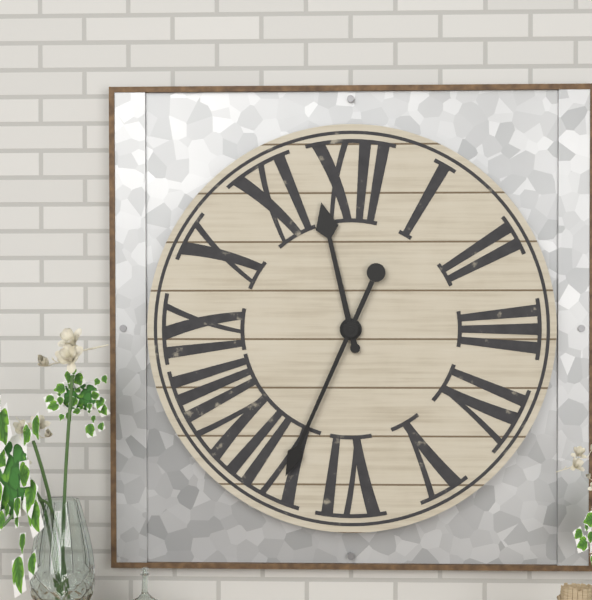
11:34
